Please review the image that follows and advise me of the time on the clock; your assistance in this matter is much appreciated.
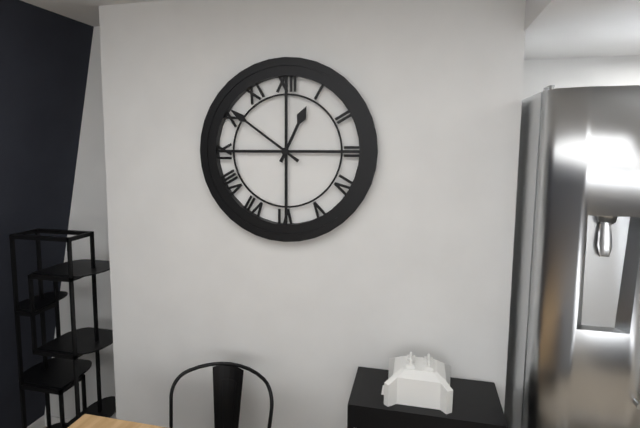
12:51
